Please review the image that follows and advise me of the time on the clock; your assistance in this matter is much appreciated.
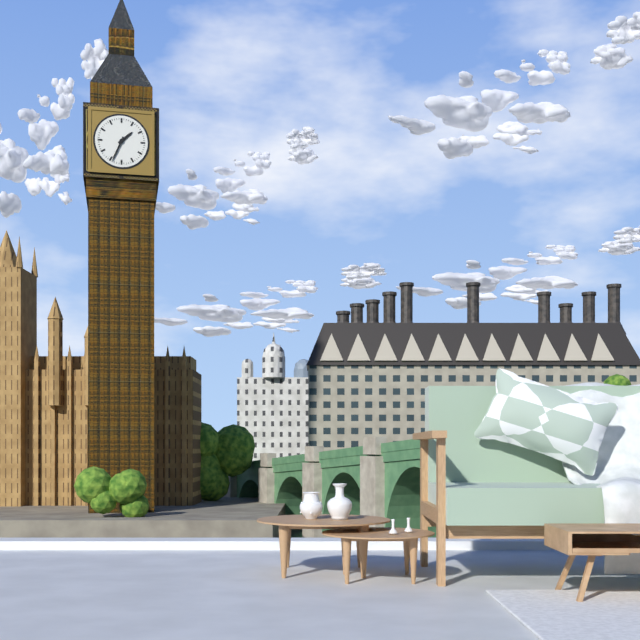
1:34
